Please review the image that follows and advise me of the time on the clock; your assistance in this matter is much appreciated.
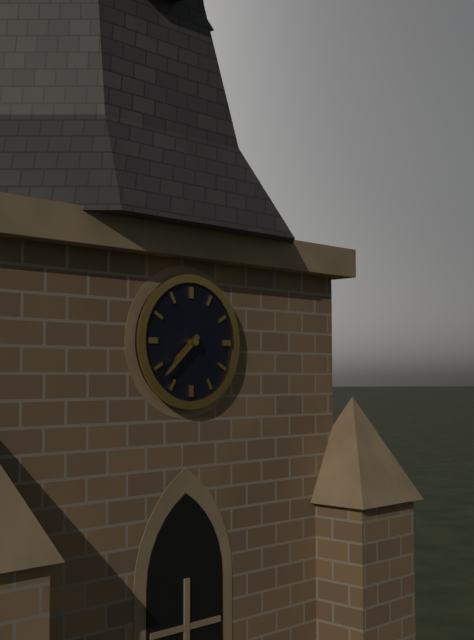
7:38
